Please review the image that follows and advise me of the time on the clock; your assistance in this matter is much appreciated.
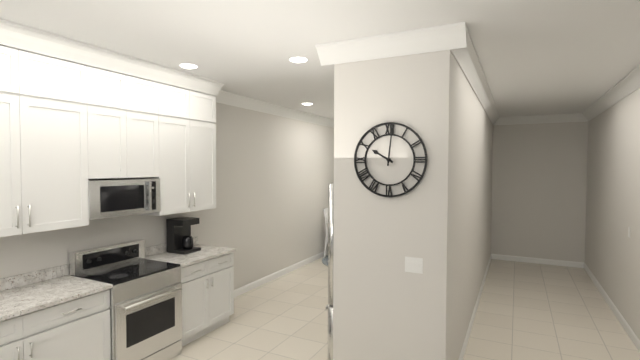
10:01
